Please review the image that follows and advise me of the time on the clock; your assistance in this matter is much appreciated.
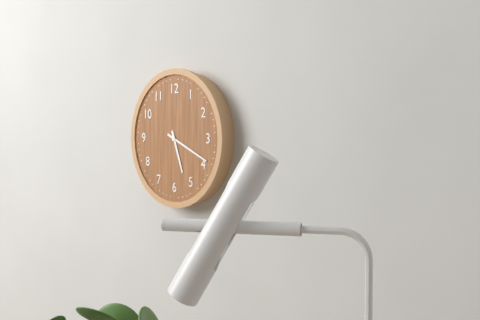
5:19
